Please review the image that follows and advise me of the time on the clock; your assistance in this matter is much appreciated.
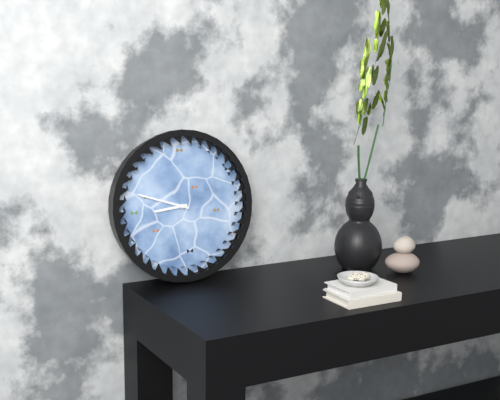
8:48
